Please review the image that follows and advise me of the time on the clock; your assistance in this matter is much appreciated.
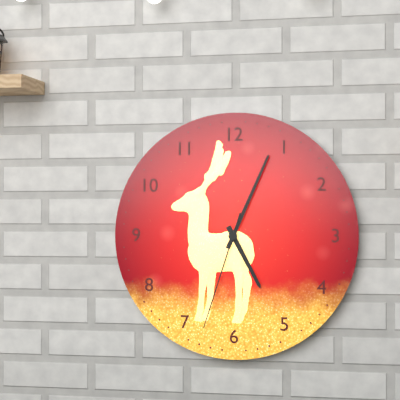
5:04:33
